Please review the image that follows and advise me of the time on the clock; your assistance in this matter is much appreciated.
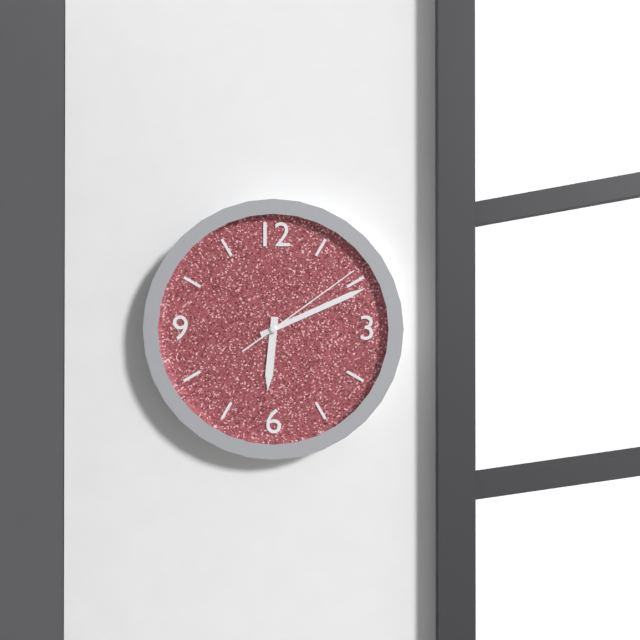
6:11:09
